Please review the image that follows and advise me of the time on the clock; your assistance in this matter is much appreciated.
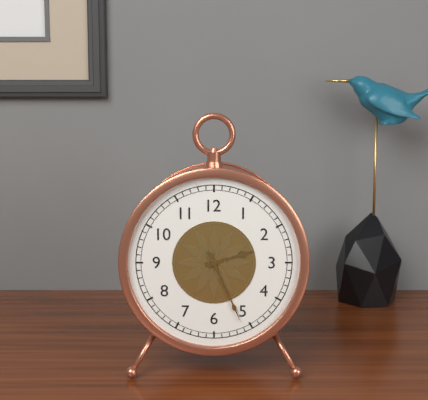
2:26
